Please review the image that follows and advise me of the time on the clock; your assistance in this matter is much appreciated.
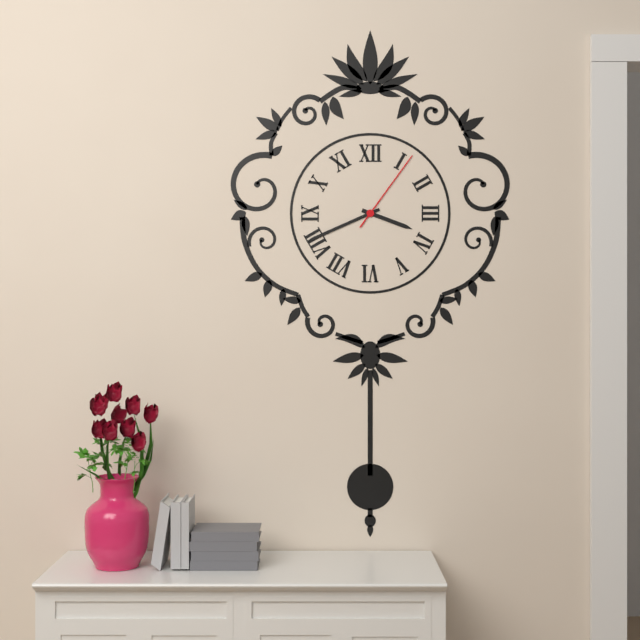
3:41:06
